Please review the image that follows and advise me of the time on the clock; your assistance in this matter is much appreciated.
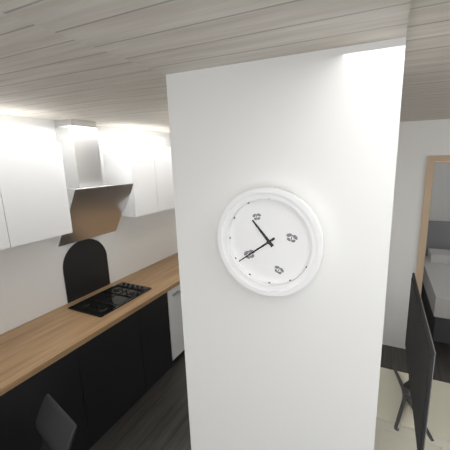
10:39
